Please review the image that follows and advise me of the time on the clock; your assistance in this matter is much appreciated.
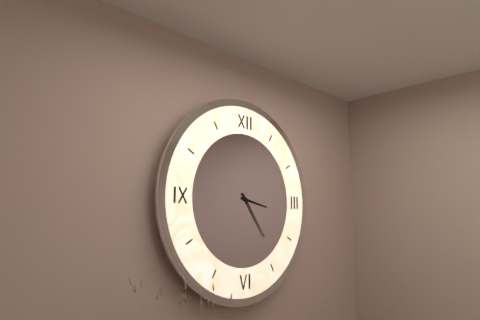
3:24
